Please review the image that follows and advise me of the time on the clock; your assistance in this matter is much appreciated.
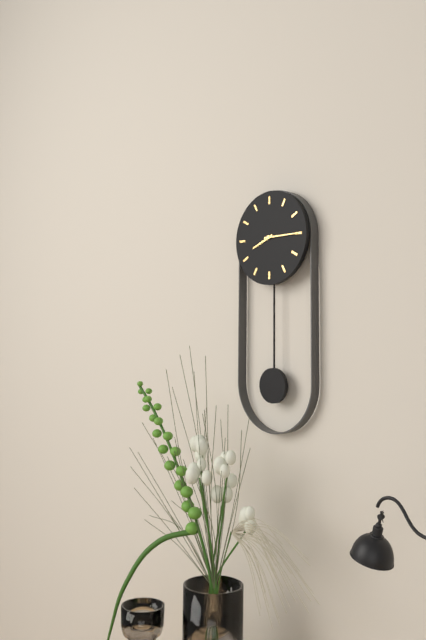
8:15
